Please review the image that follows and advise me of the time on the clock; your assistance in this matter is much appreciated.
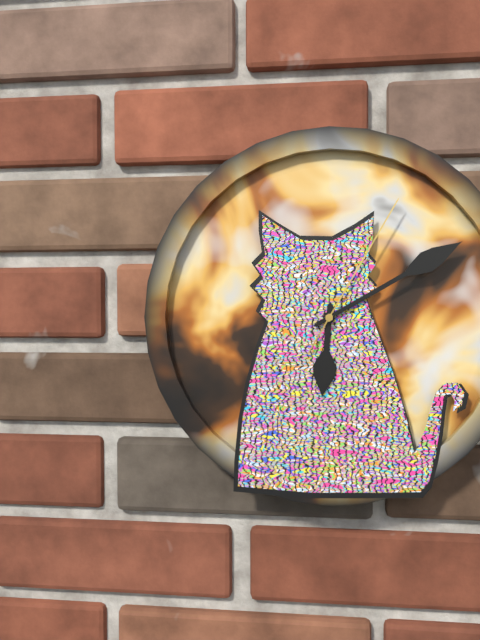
6:10:05
